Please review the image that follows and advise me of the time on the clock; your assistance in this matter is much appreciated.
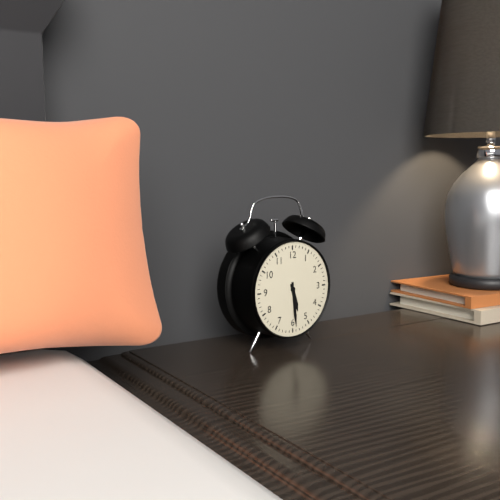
5:29
